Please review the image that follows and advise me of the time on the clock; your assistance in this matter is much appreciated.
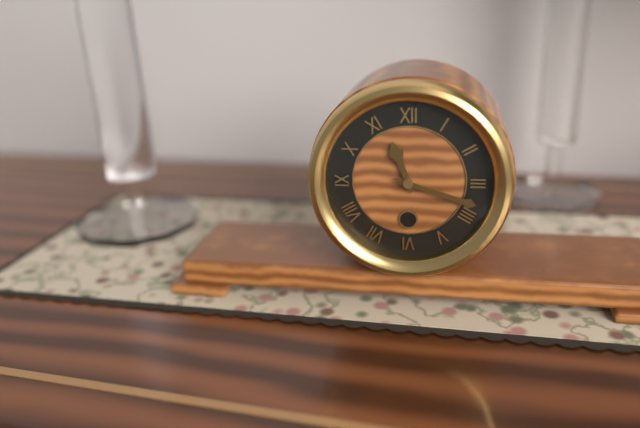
11:18
